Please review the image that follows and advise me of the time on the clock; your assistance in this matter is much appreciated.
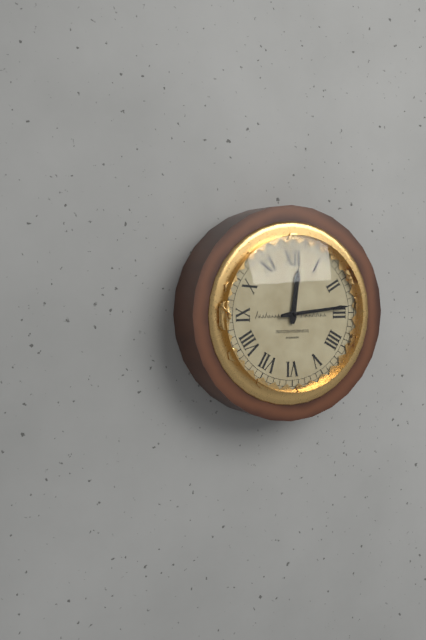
12:14
